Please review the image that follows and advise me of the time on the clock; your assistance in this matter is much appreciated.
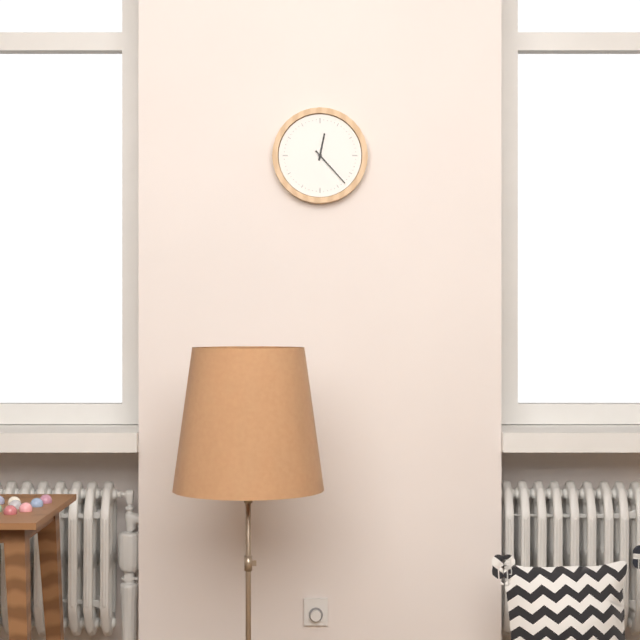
12:23
